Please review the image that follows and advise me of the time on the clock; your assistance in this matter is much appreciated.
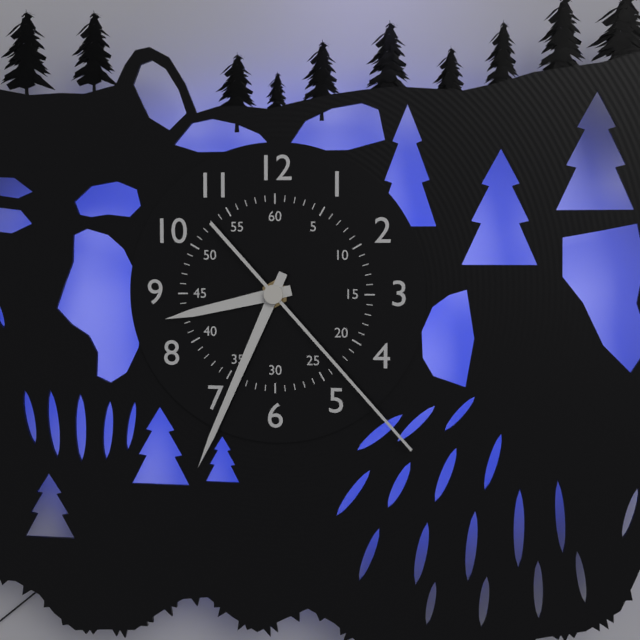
8:34:23
